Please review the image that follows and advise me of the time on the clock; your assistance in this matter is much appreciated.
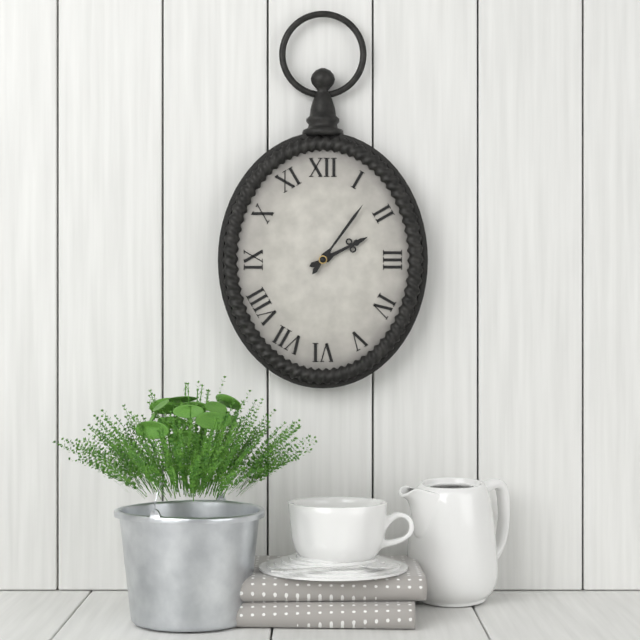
2:06
